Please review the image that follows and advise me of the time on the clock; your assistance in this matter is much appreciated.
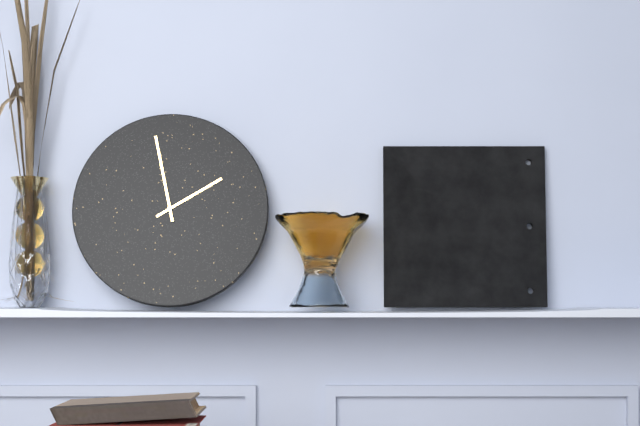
1:58
